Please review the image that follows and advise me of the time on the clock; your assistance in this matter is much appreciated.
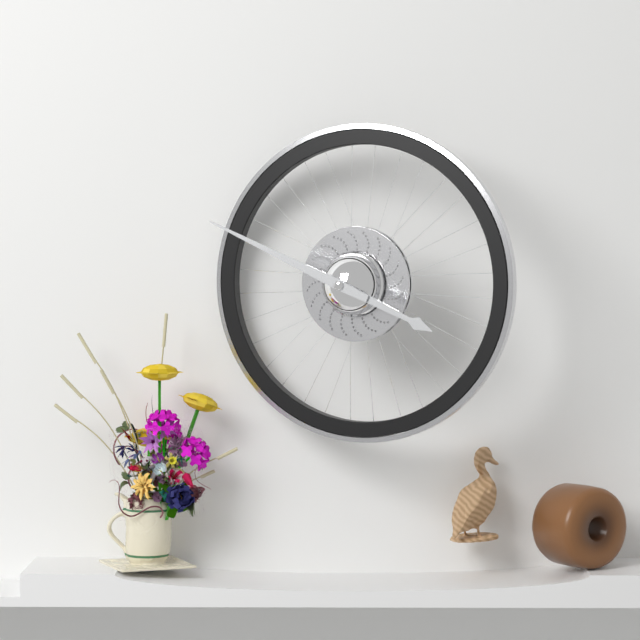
3:49
